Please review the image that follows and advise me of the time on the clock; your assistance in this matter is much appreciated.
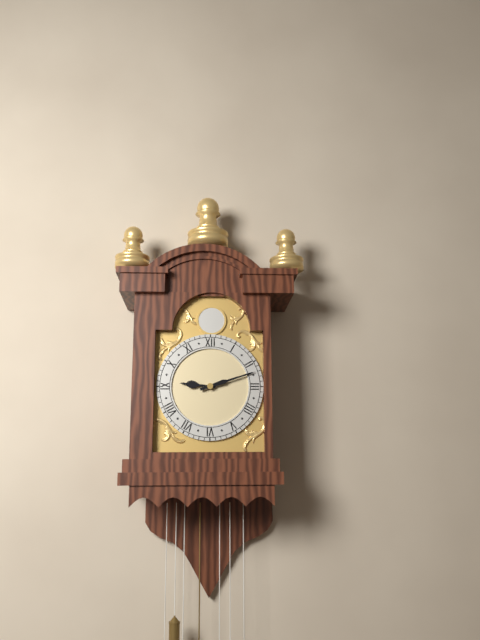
9:12
